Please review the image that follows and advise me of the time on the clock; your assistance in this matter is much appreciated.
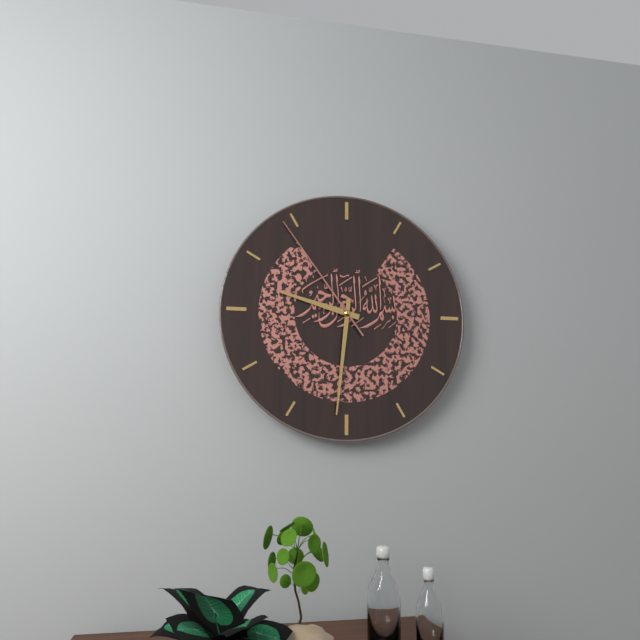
9:31:54
